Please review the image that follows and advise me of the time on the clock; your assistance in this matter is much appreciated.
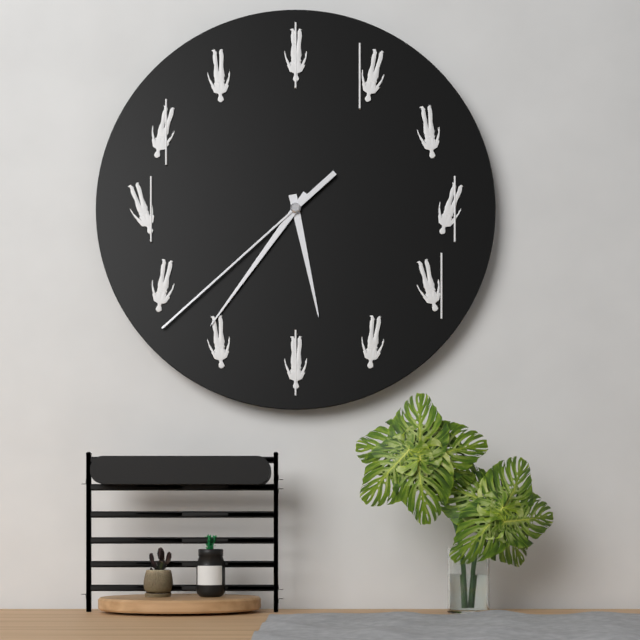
5:36:38
